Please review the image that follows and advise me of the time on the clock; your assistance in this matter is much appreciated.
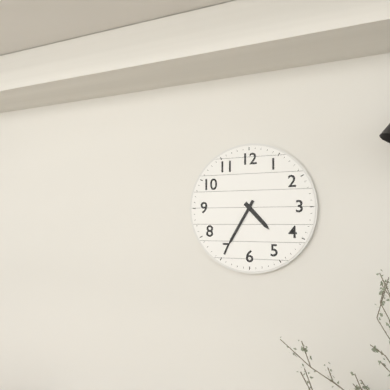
4:35
